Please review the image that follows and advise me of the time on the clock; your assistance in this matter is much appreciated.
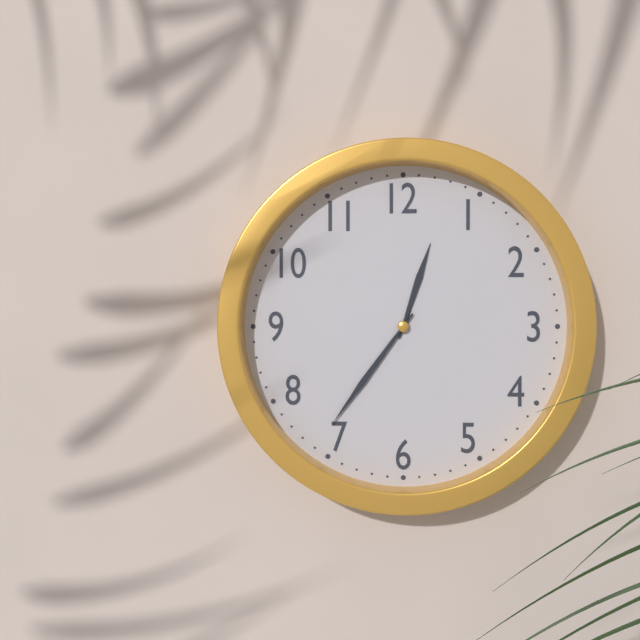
12:36
